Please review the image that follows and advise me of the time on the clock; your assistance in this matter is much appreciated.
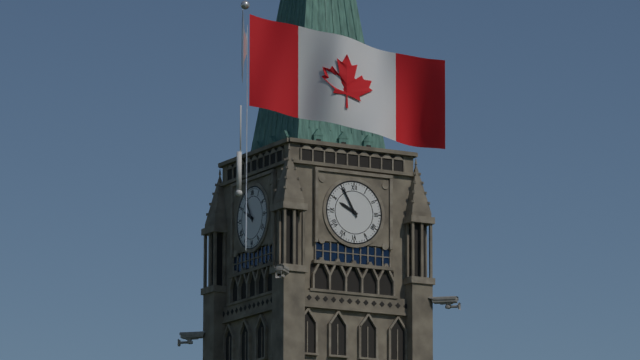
9:55
